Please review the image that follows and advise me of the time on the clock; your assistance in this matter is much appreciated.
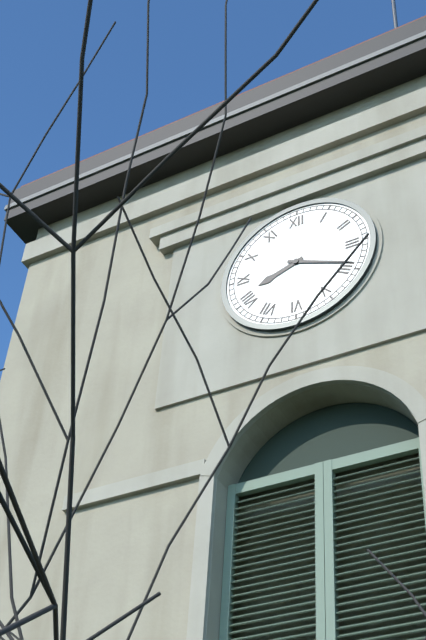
8:19
